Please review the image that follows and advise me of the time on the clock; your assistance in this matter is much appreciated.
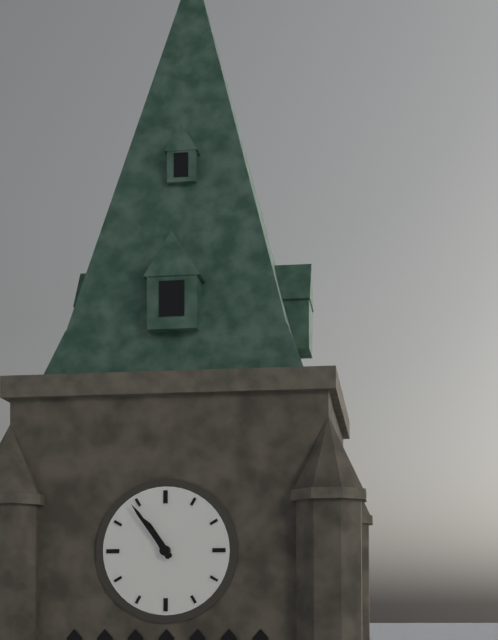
10:54
